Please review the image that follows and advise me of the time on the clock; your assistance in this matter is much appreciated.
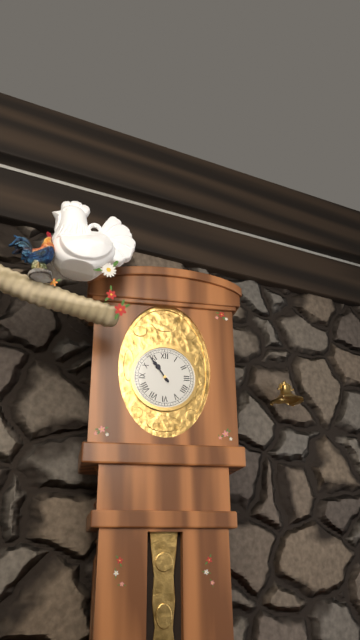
10:54
